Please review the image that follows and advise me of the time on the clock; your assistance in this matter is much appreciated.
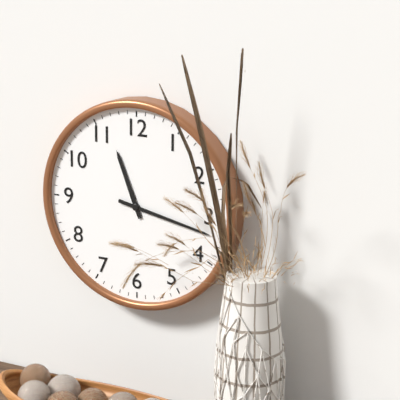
11:17
